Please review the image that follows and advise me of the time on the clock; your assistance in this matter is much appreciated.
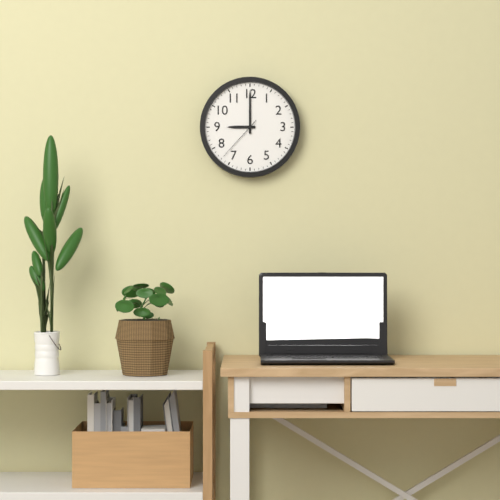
9:00
